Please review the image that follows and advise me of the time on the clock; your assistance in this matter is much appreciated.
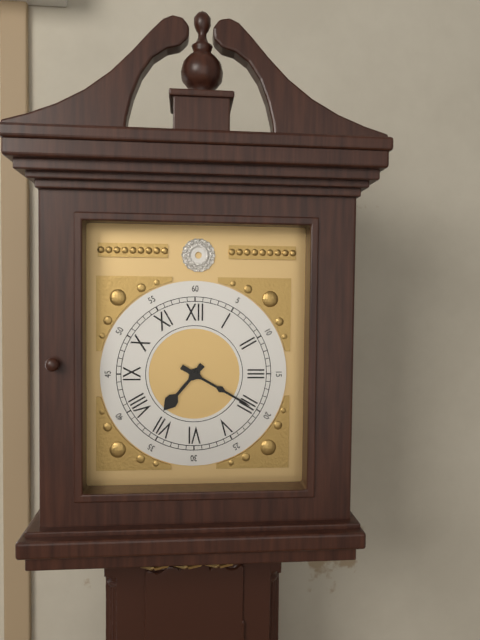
7:20
